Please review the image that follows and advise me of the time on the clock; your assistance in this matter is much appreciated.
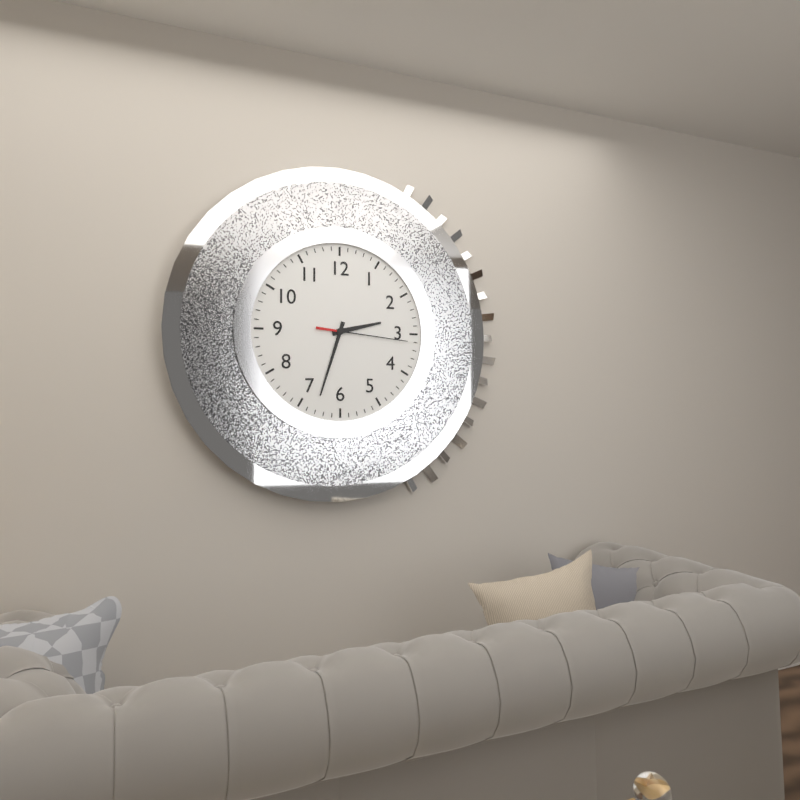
2:33:16
